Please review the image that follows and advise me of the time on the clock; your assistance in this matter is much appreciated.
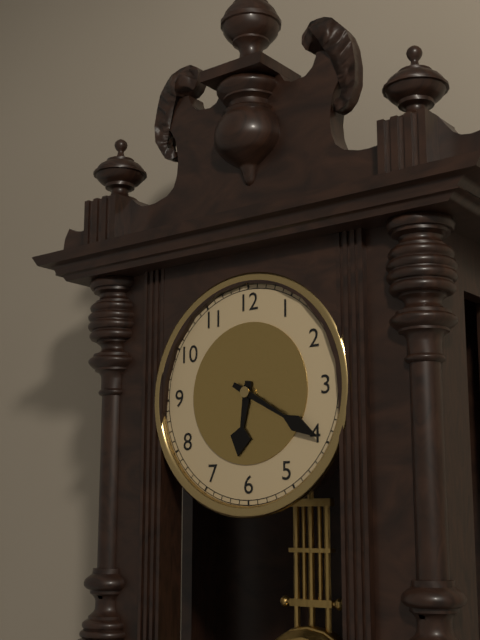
6:20
